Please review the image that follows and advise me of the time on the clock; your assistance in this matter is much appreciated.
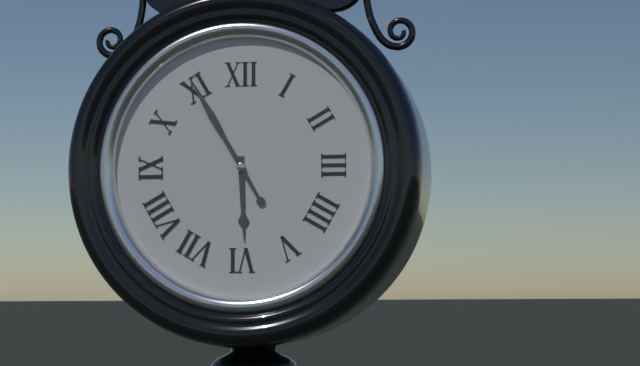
5:55
